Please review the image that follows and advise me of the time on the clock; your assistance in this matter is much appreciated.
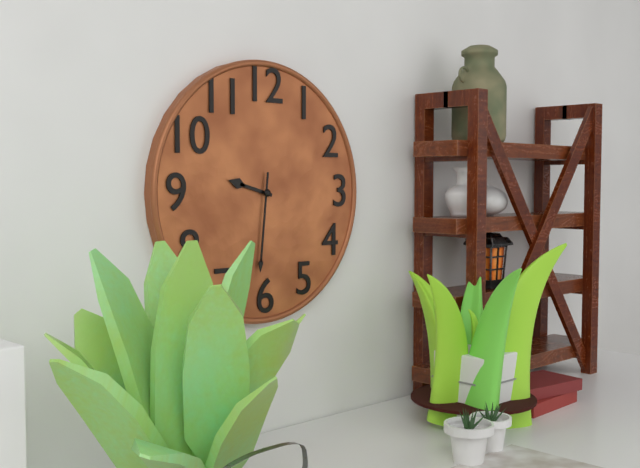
9:31
